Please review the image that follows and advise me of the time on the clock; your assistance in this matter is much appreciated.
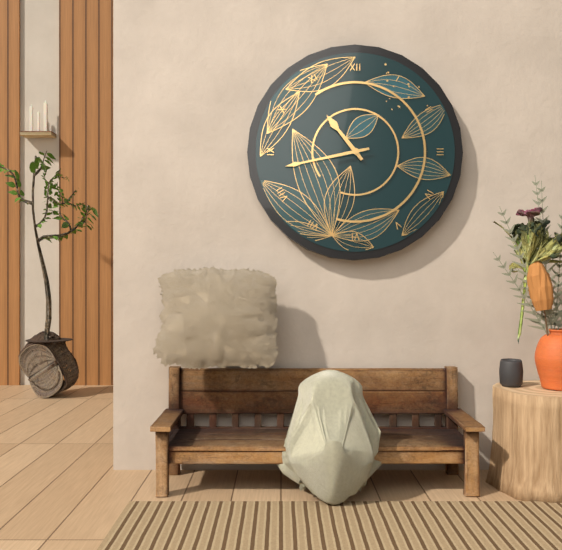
10:43
